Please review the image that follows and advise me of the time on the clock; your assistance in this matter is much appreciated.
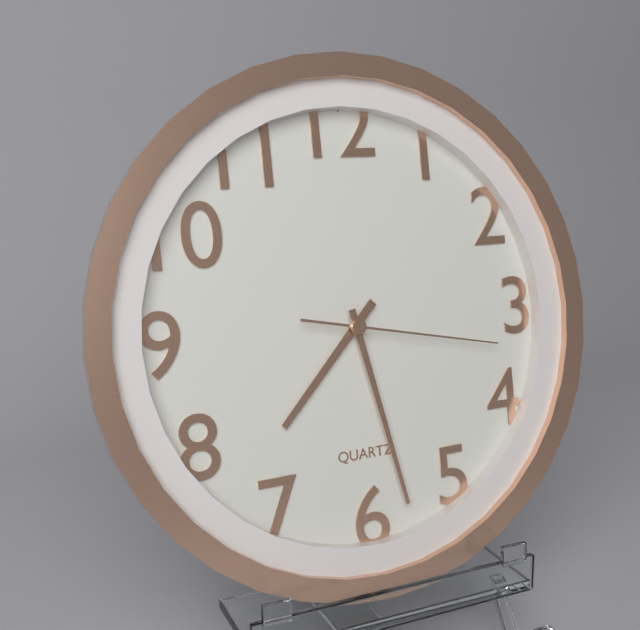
7:28:17
